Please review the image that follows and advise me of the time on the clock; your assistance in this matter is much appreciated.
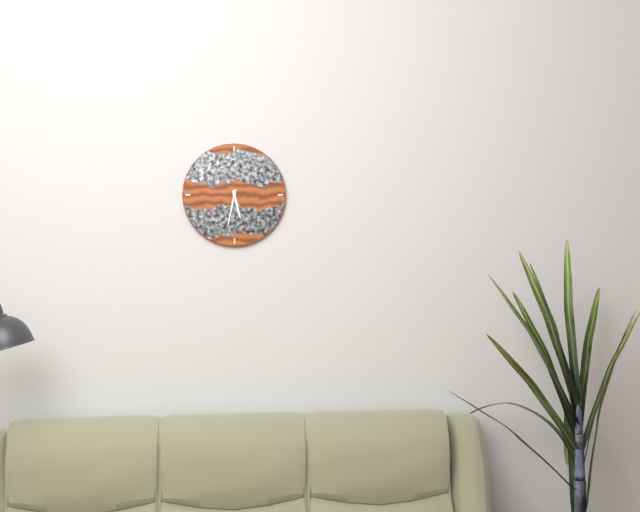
5:32
